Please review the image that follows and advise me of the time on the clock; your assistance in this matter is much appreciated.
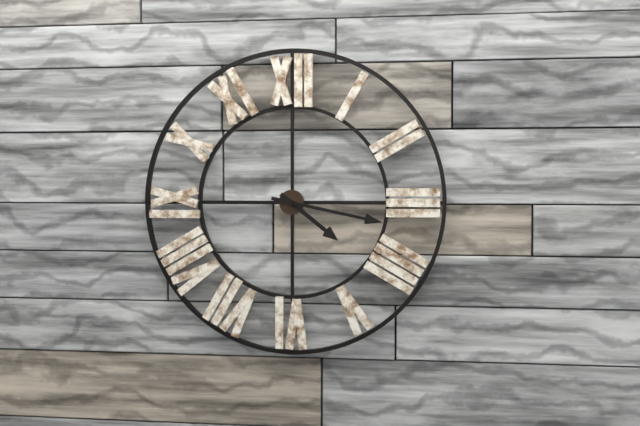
4:17
